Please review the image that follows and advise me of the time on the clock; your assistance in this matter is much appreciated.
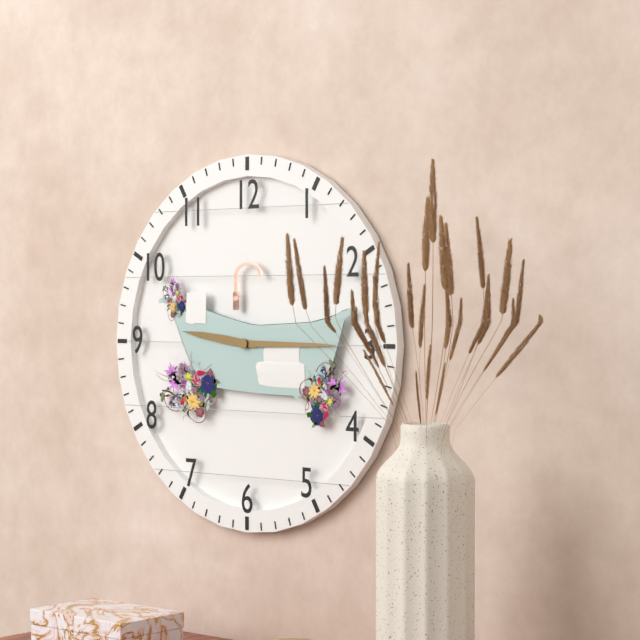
9:15
